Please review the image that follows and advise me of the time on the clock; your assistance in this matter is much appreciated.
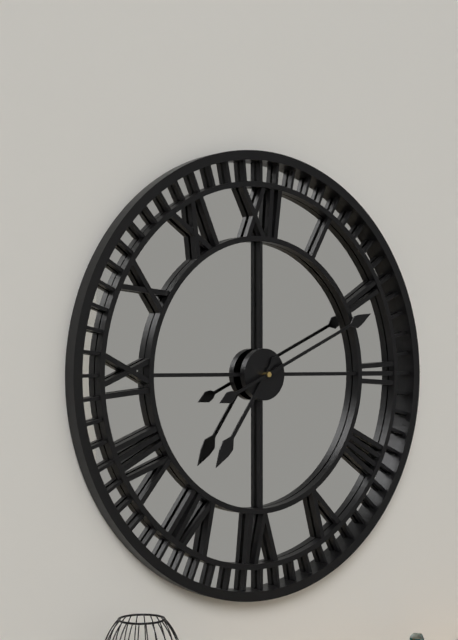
7:11
